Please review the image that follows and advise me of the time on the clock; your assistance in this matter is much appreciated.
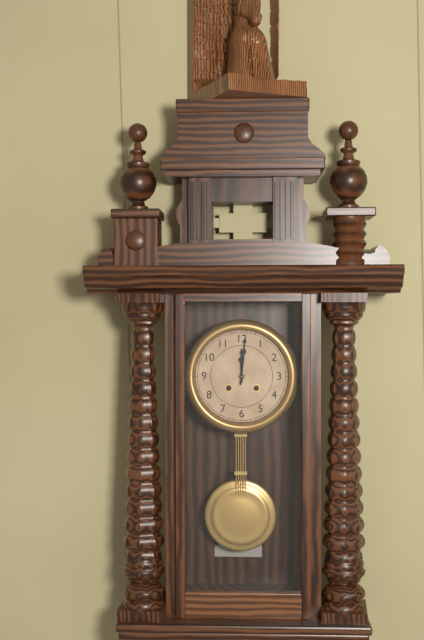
12:01
